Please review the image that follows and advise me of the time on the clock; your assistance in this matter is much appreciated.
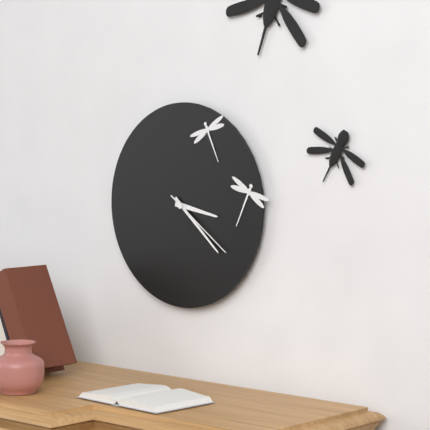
3:22:21
